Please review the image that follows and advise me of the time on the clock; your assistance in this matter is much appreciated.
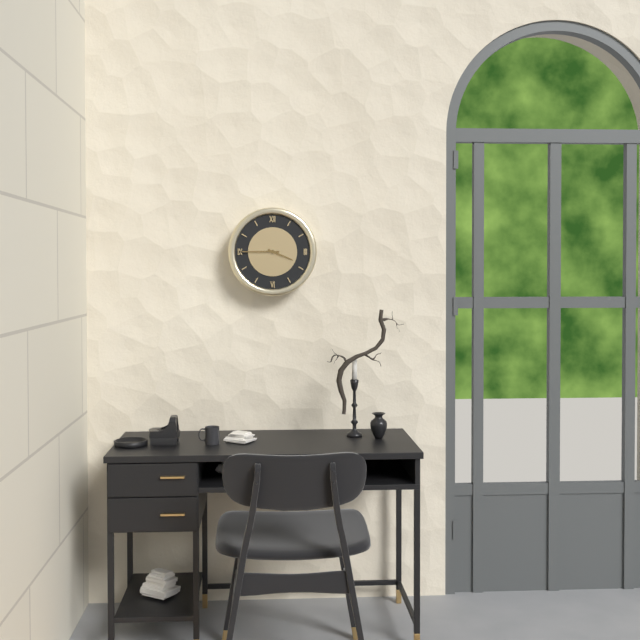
3:45
